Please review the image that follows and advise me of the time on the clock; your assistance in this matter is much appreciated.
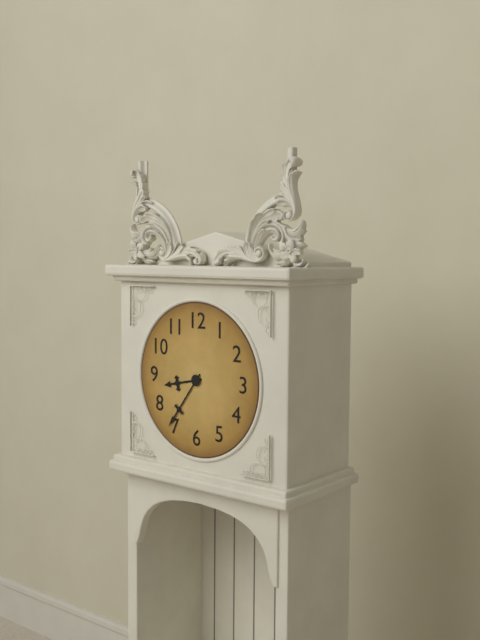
8:36
